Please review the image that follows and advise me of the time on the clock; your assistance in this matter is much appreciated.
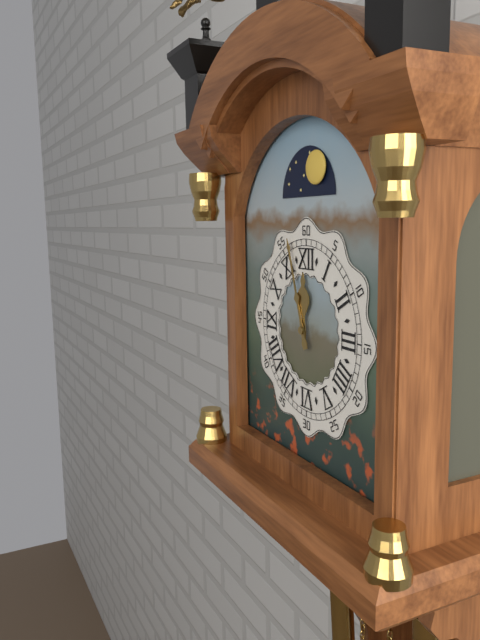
11:57
